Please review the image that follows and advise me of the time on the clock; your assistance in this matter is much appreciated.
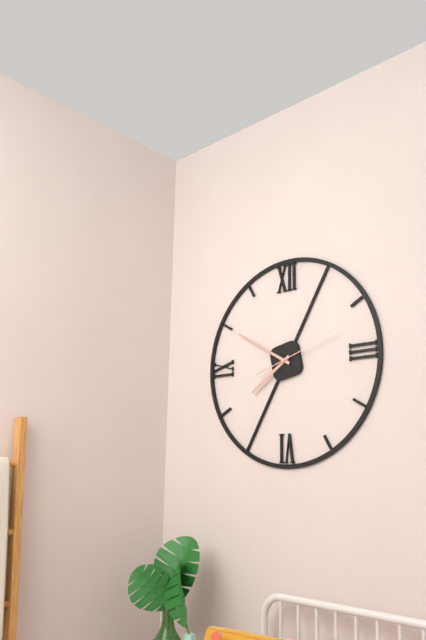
7:50:12
